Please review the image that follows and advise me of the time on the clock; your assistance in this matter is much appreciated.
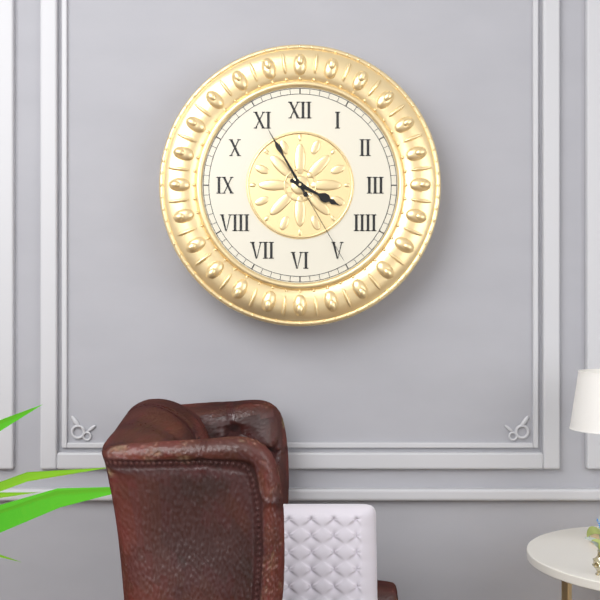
3:55:25
